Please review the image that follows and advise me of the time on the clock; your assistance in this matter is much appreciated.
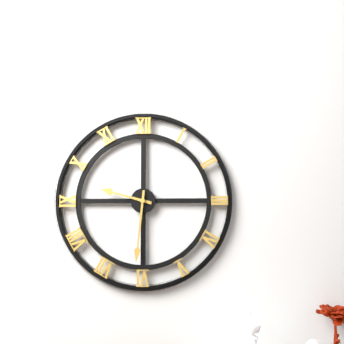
9:31
